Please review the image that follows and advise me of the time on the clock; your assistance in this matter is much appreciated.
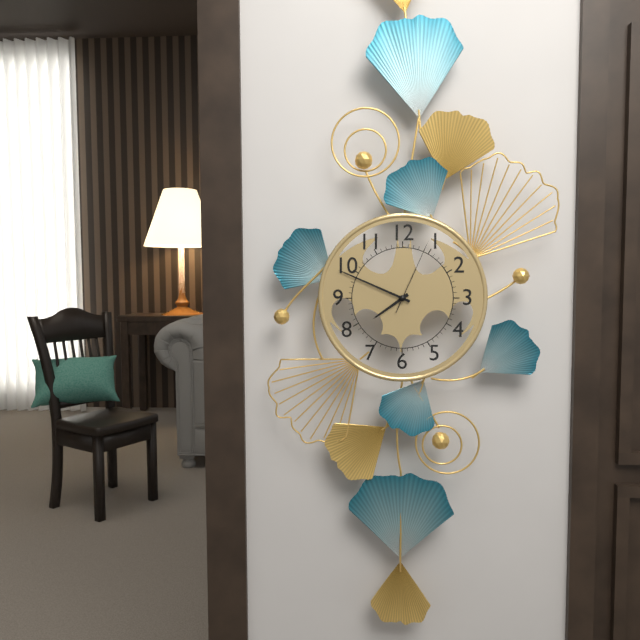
7:49:04
